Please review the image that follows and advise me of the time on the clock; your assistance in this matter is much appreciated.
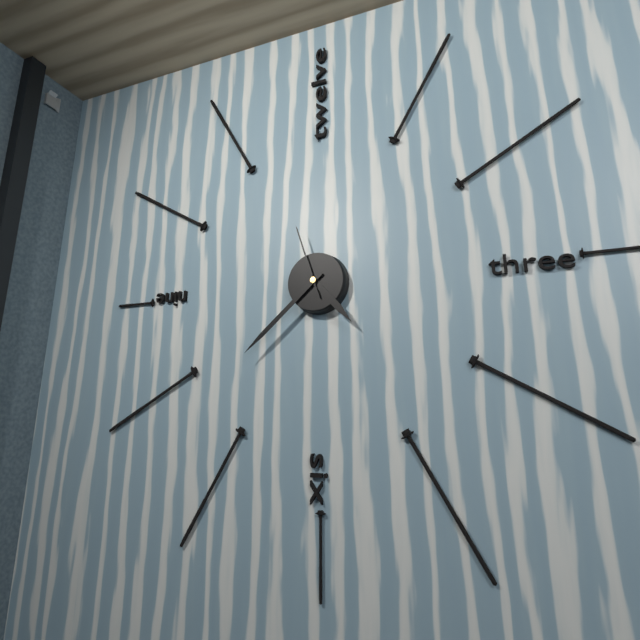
4:38:57
